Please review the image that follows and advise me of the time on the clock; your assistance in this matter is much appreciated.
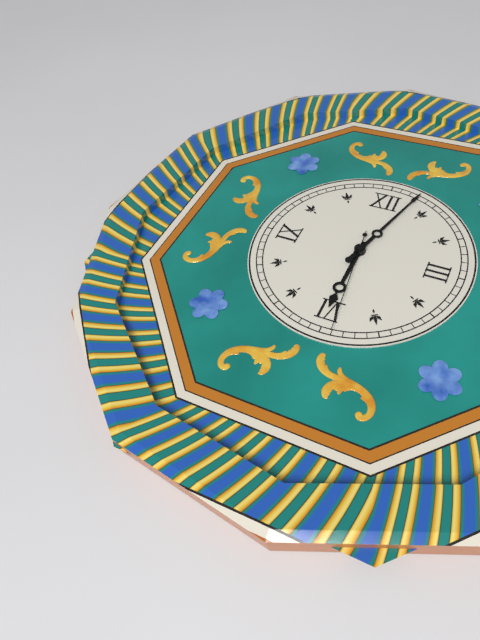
6:03:29
